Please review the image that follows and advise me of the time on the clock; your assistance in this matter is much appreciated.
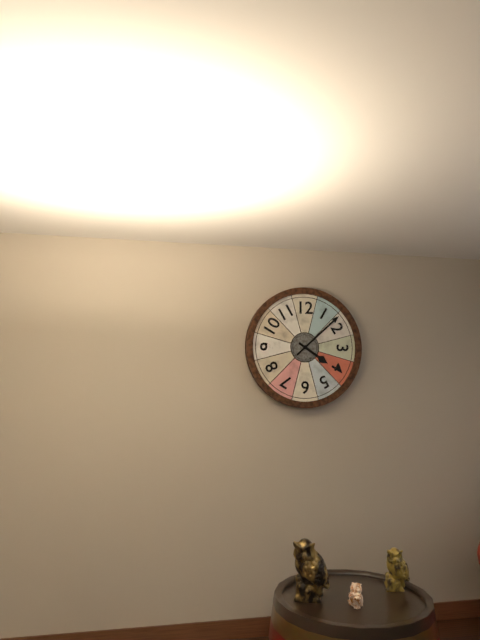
4:08
